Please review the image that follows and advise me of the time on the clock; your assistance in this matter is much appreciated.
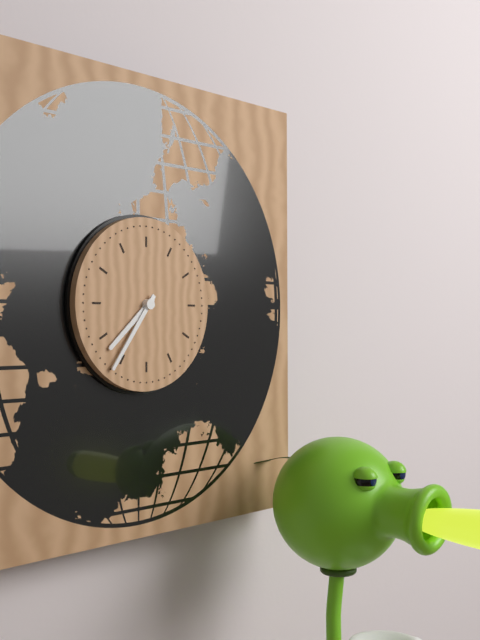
7:36
